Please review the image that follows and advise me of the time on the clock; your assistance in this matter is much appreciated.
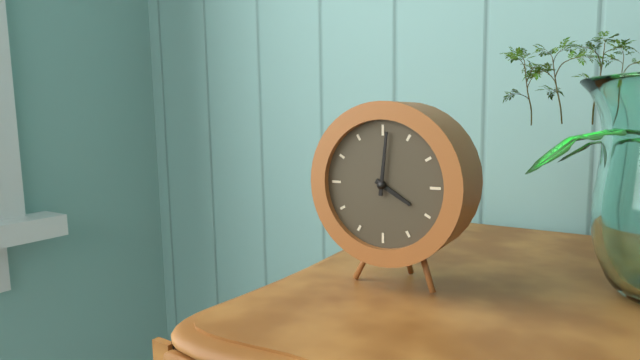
4:01
